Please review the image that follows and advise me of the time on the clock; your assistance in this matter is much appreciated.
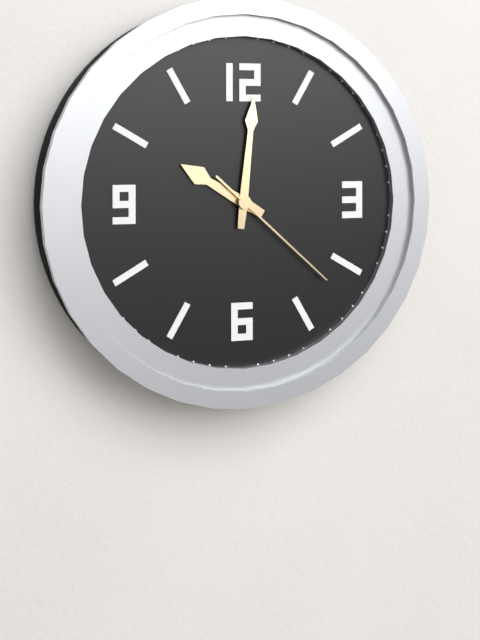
10:01:22
